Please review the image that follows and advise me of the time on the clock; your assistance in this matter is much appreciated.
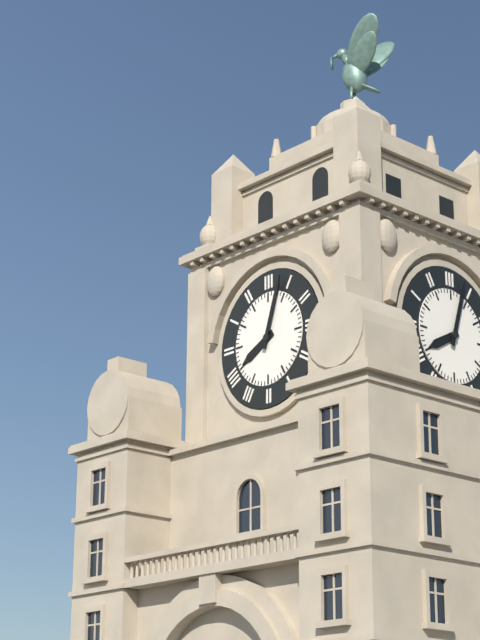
8:03
